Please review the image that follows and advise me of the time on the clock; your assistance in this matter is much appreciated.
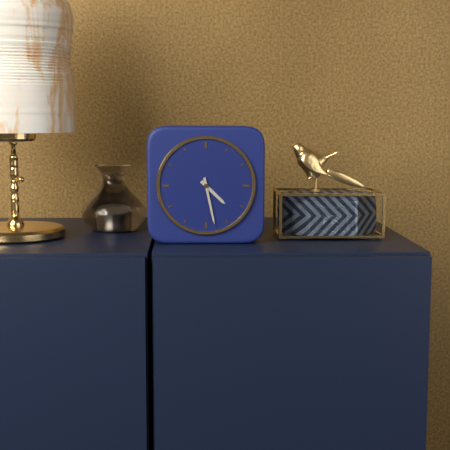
4:28
